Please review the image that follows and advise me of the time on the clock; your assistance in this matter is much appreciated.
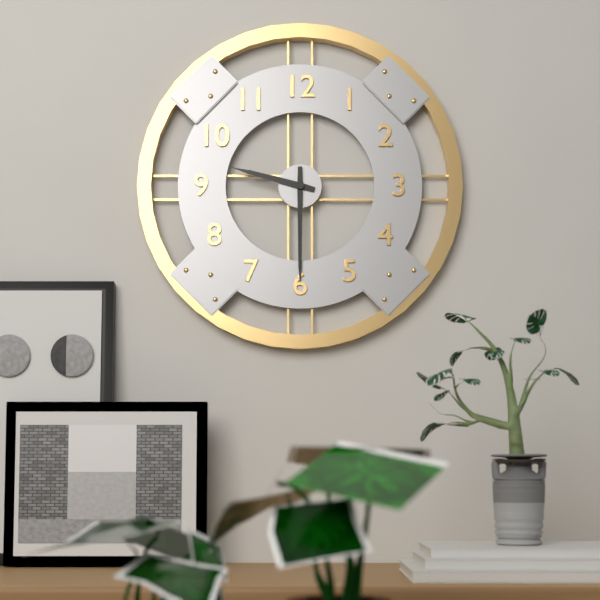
9:30
